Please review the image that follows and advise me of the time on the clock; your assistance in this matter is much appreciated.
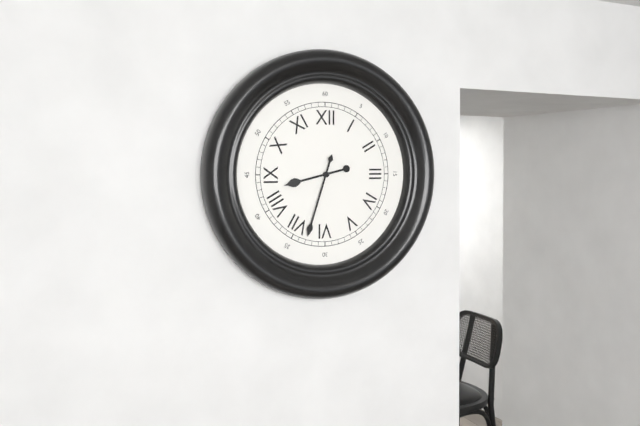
8:33
